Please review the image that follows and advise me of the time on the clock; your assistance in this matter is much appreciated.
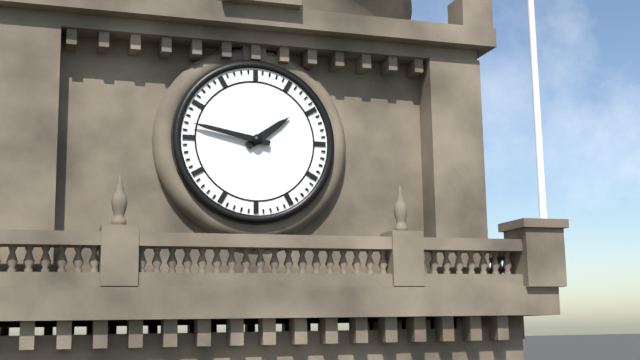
1:47
